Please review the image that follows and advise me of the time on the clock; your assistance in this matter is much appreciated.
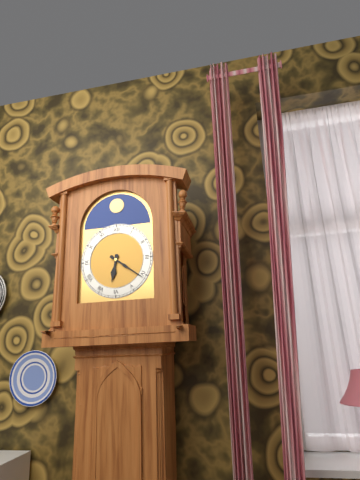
6:21
